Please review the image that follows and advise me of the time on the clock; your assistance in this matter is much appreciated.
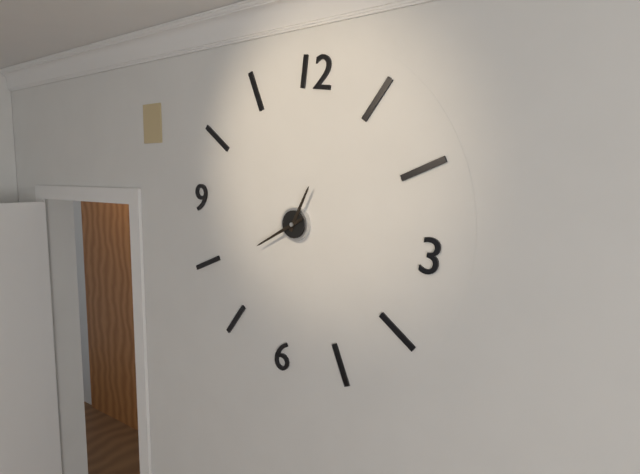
12:39
